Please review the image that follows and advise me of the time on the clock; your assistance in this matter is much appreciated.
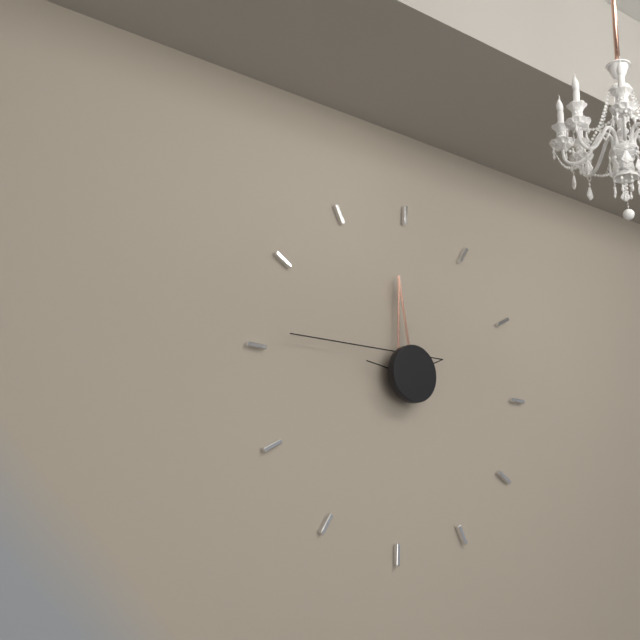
11:46
